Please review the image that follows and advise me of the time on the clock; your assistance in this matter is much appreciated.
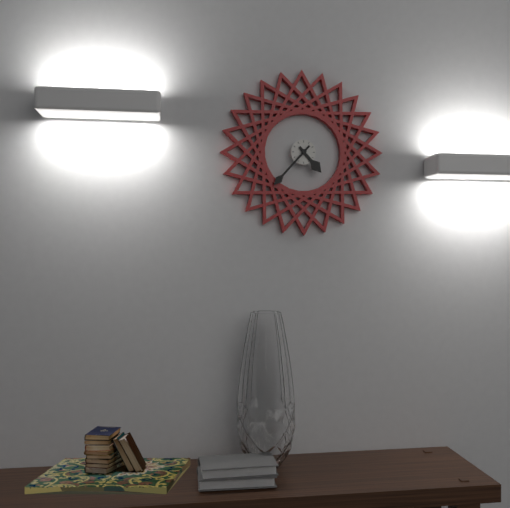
4:37
